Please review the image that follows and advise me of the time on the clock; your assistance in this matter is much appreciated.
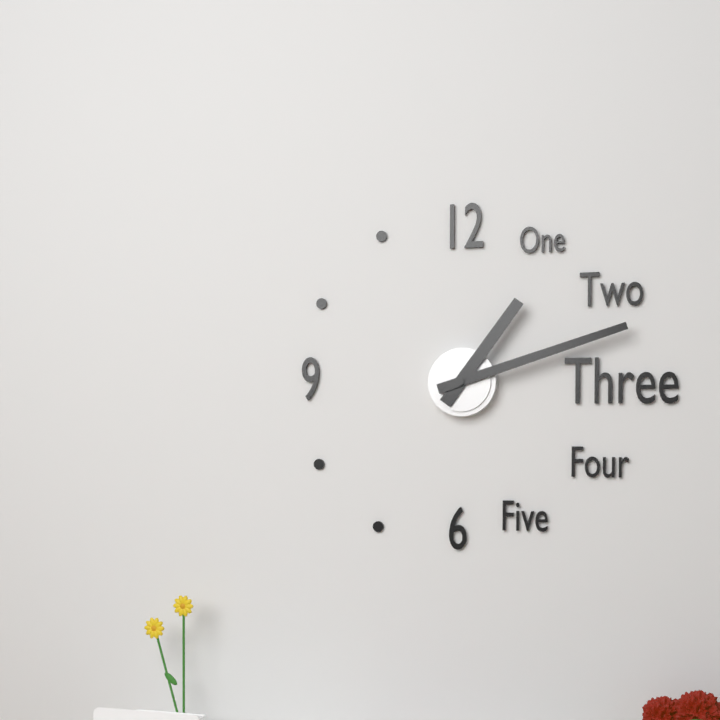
1:12
